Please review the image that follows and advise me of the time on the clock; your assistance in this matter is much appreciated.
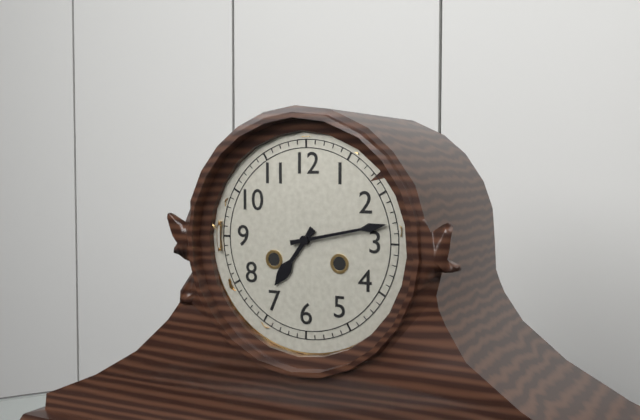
7:13
